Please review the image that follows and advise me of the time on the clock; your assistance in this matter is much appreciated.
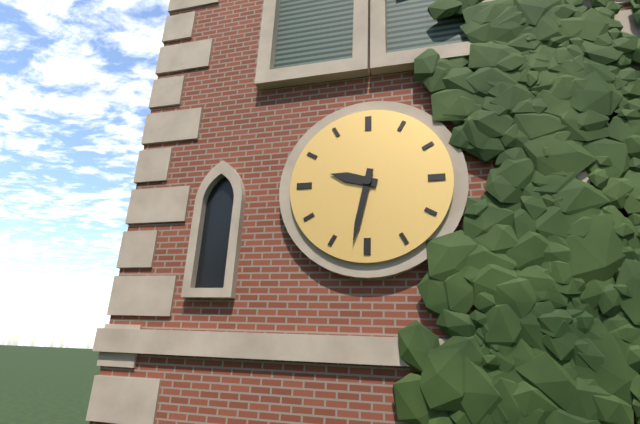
9:32
